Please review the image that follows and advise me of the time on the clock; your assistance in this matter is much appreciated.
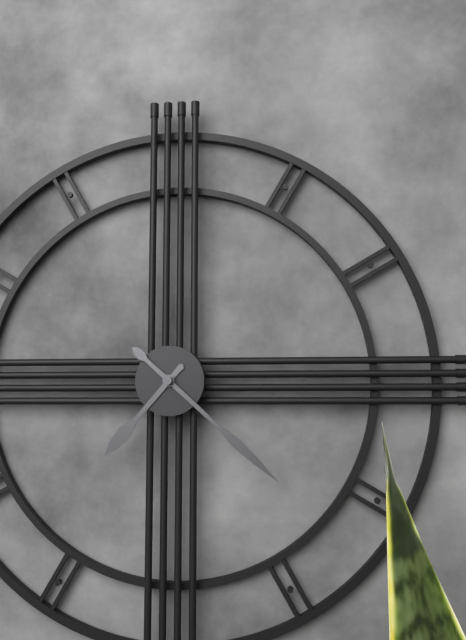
7:22
